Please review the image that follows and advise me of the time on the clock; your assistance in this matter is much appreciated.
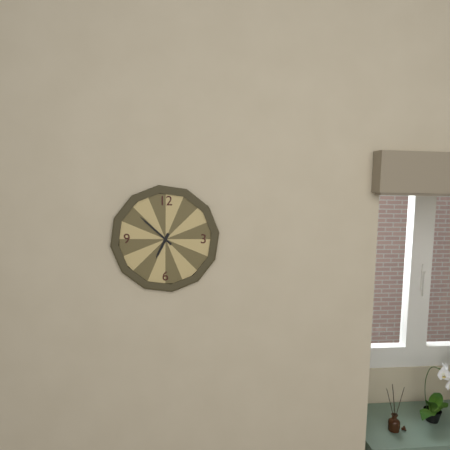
6:52
